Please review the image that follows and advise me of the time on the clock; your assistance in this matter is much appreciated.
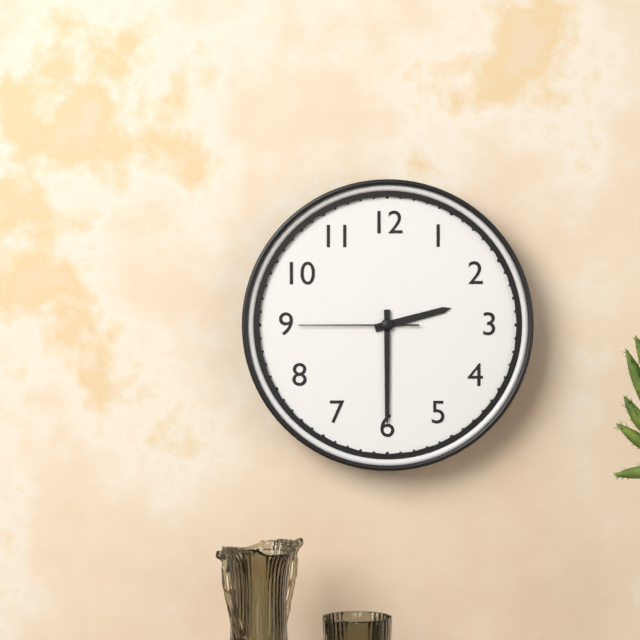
2:30:45
